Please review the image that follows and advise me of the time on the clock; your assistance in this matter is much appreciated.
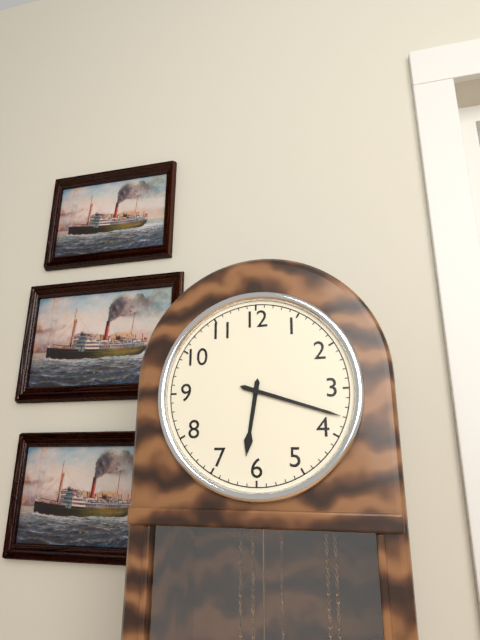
6:18
